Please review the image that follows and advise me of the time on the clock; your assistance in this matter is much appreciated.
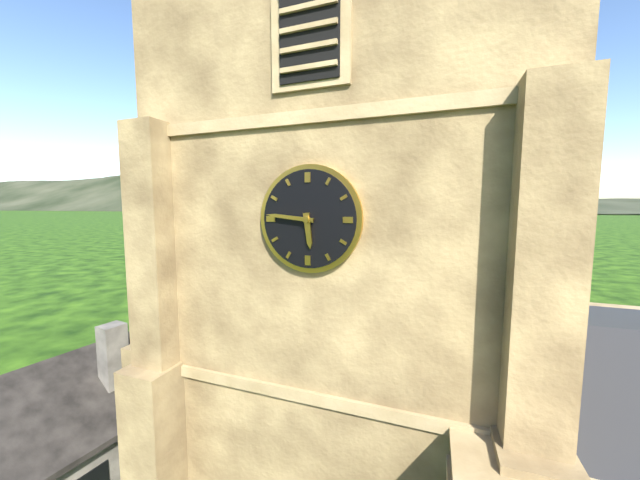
5:46
